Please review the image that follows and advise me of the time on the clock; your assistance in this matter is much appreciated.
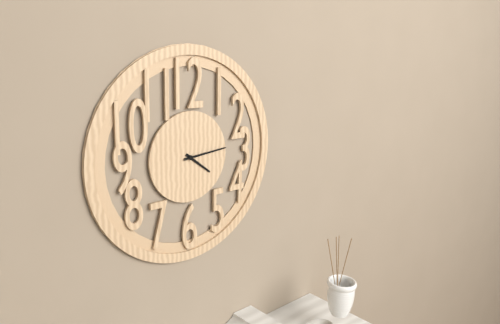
4:14
